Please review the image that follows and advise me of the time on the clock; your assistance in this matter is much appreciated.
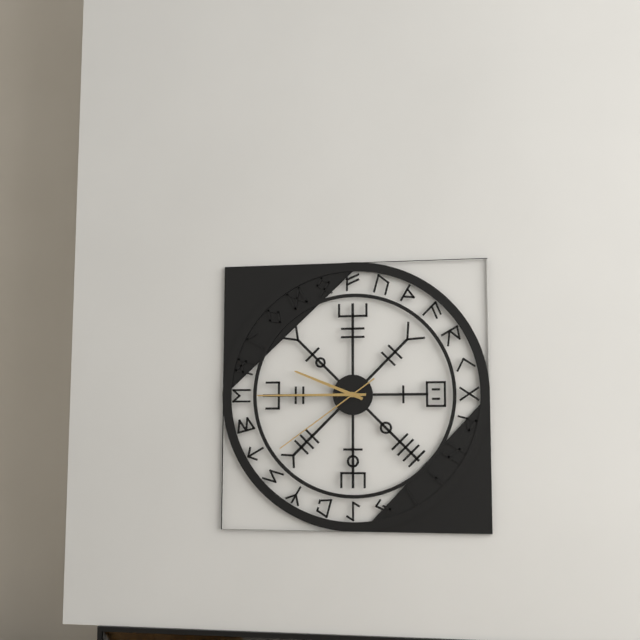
9:45:39
